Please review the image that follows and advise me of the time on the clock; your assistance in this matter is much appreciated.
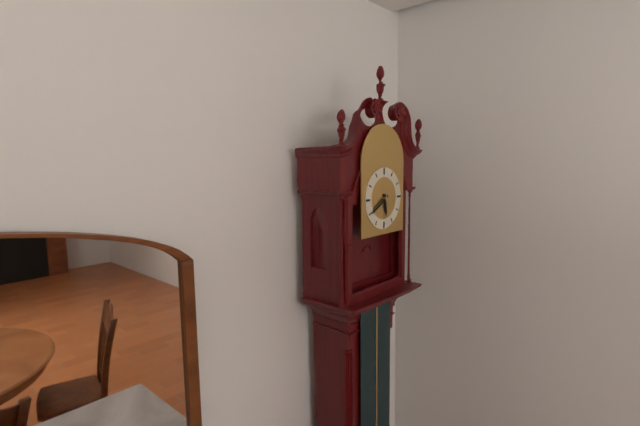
5:40
